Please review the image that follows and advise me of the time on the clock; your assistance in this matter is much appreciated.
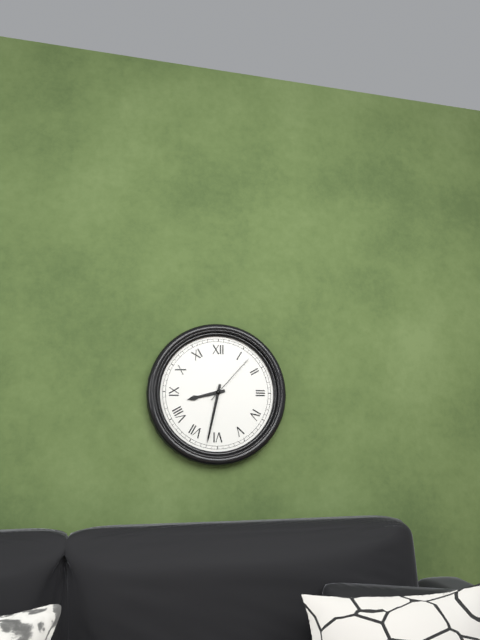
8:32:07
